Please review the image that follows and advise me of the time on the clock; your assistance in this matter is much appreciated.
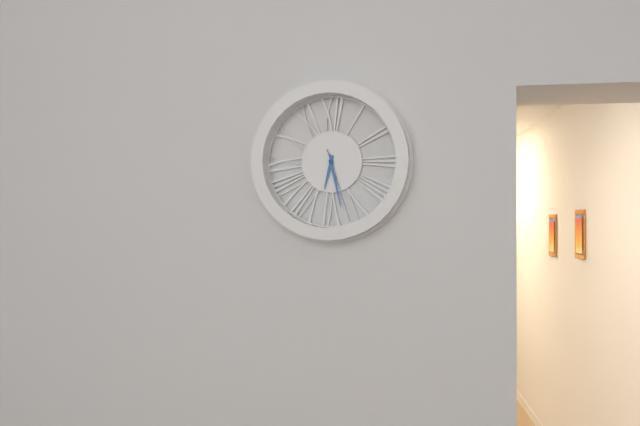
6:28:27
